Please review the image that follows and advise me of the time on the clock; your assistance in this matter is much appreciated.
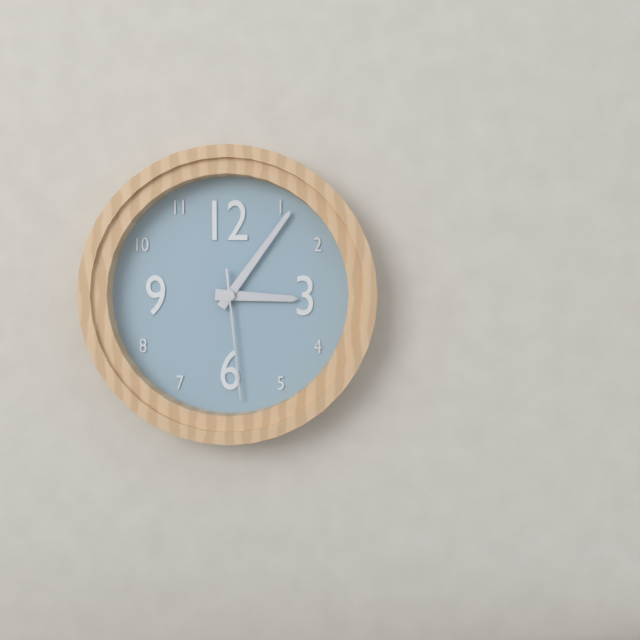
3:06:29
